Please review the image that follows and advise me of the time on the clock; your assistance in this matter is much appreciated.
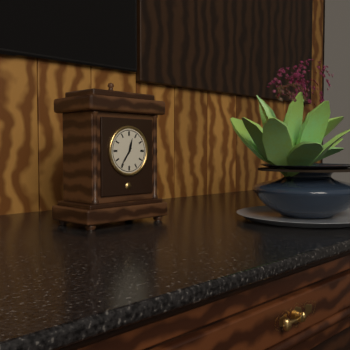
12:36
